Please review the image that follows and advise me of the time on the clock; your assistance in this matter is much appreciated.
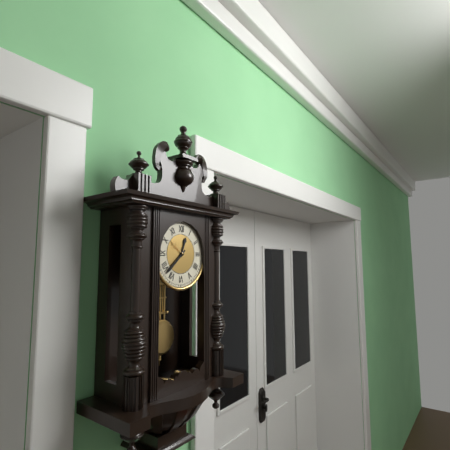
12:38
